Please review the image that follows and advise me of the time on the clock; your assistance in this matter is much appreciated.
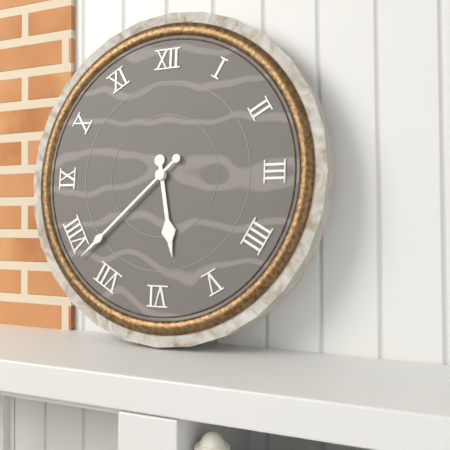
5:38
